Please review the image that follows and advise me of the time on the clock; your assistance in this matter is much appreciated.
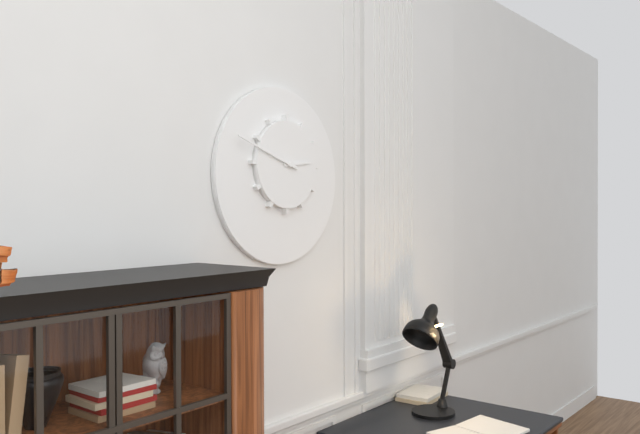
2:48
